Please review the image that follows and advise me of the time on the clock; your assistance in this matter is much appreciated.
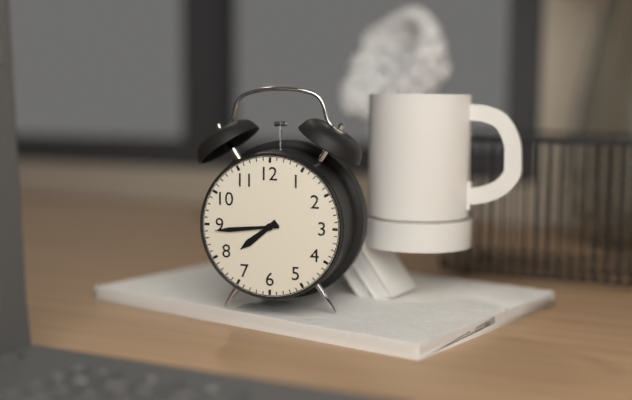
7:44
